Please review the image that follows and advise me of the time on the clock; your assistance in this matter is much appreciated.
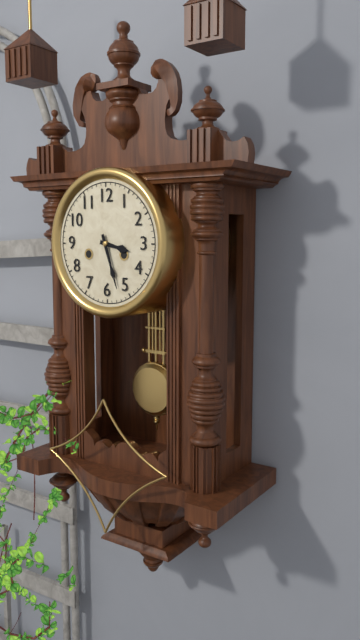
3:27
